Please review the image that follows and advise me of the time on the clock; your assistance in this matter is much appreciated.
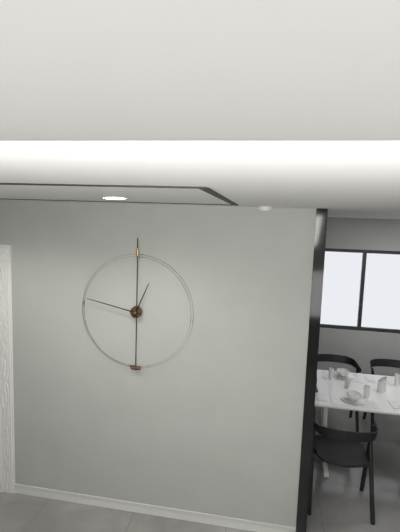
12:47
